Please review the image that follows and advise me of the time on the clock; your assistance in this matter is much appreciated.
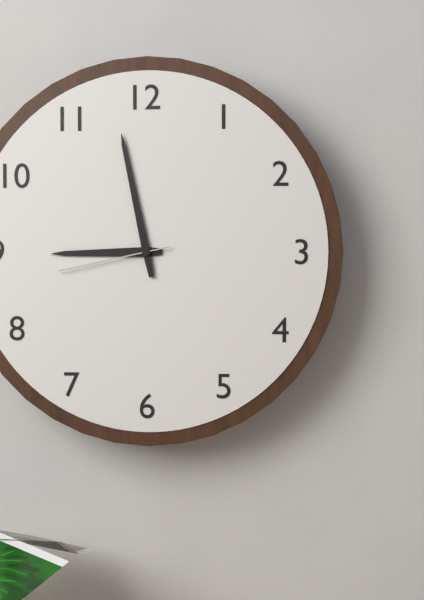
8:58:43
